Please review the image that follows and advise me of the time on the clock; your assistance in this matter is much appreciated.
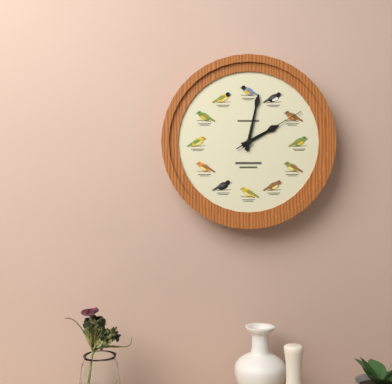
2:02:10
